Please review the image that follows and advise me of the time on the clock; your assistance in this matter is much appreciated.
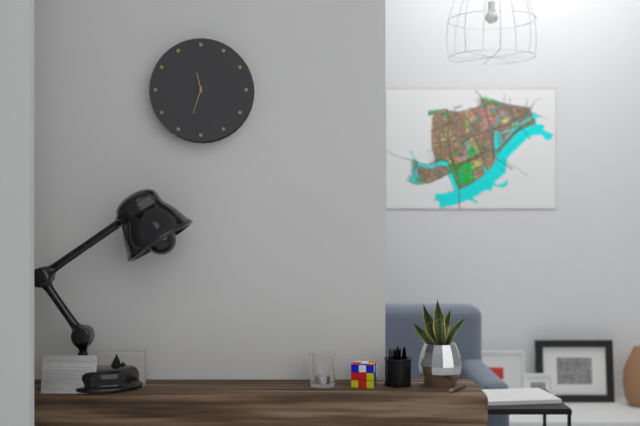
11:33
